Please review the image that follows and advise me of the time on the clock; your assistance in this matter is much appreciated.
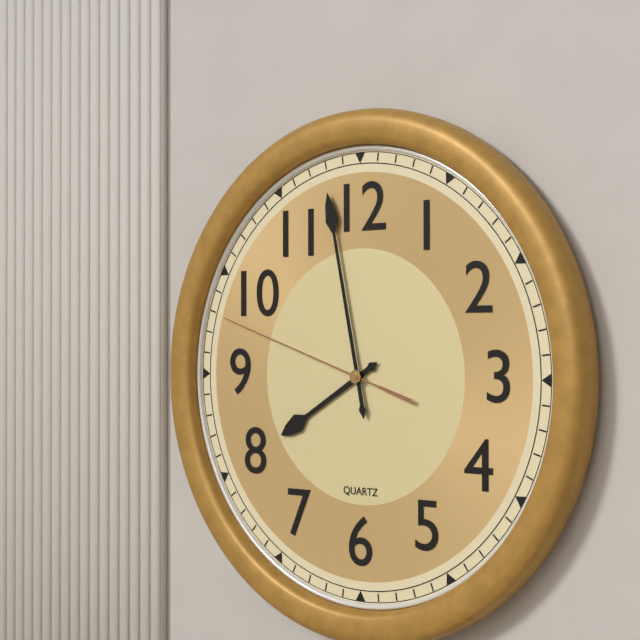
7:58:48
